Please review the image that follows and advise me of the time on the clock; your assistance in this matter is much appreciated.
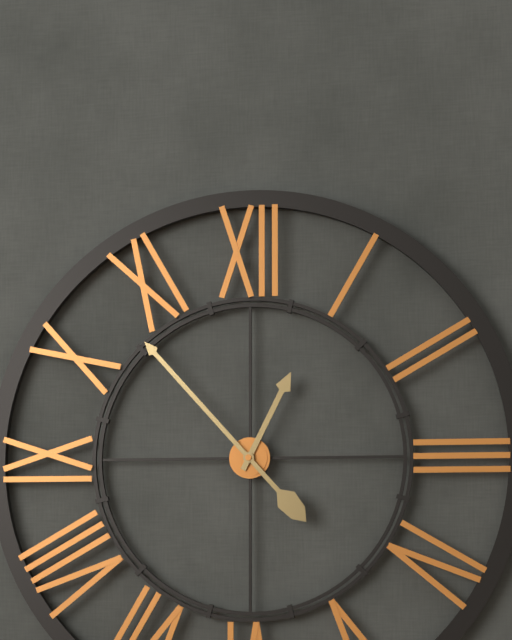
12:53
